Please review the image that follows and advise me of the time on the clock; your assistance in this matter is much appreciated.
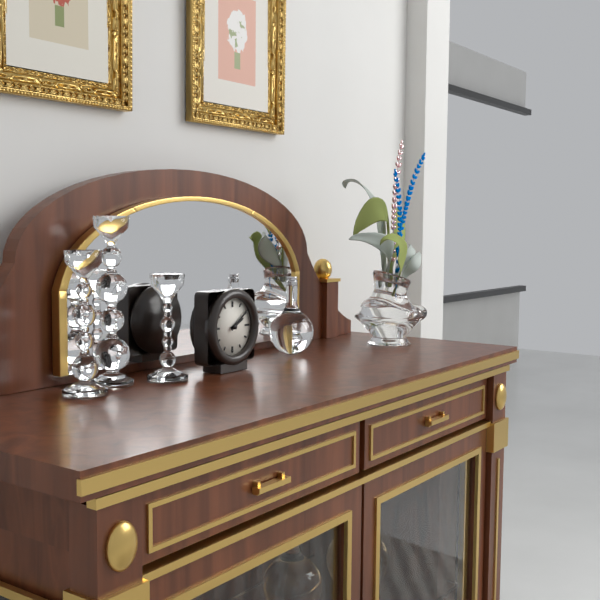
2:09
